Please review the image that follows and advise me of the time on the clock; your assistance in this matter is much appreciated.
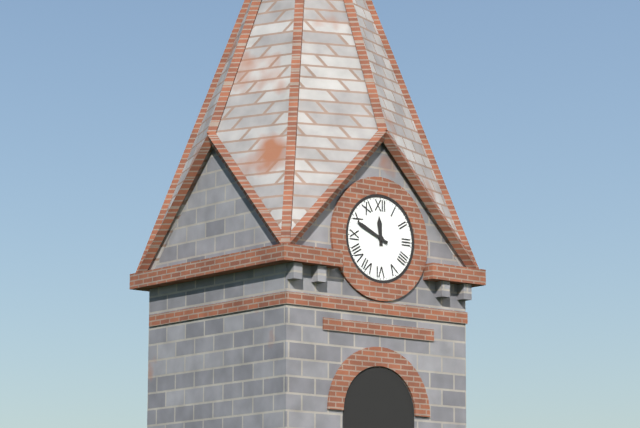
11:49
